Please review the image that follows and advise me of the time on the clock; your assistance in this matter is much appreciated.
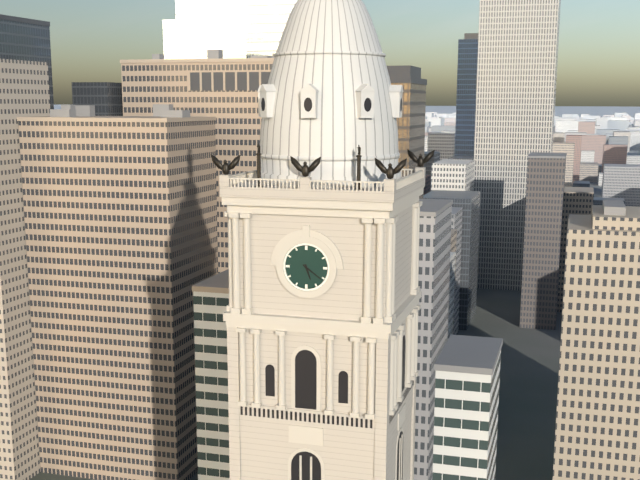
5:21
